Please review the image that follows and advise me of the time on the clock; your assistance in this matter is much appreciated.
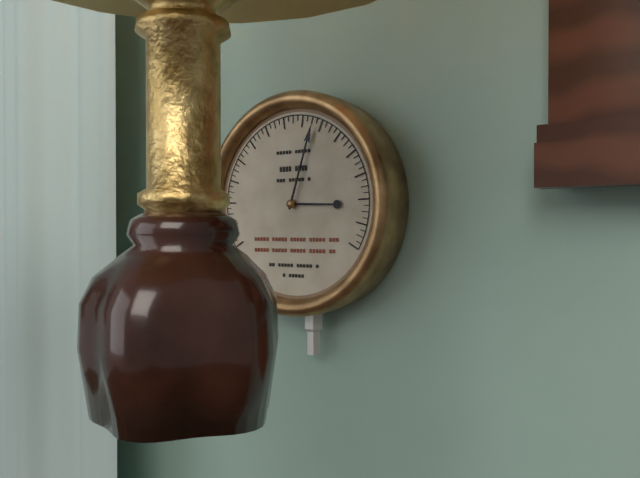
3:03
